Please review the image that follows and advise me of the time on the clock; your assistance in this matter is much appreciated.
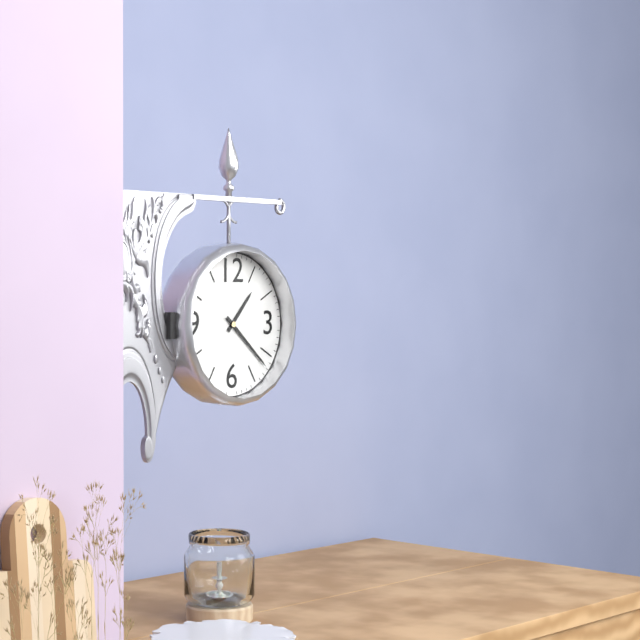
1:22
